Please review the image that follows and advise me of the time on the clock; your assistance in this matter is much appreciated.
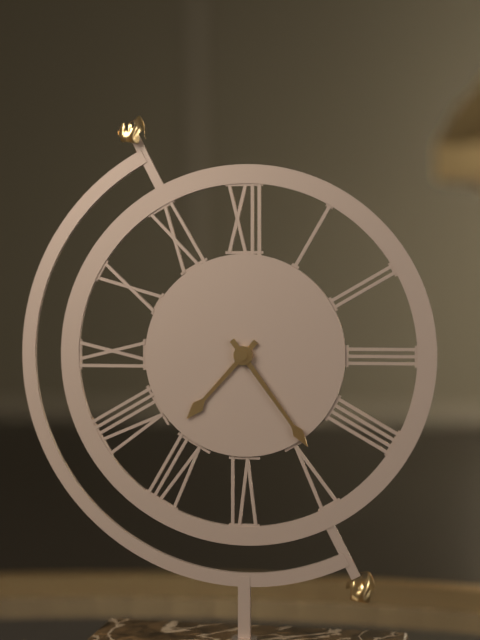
7:24
